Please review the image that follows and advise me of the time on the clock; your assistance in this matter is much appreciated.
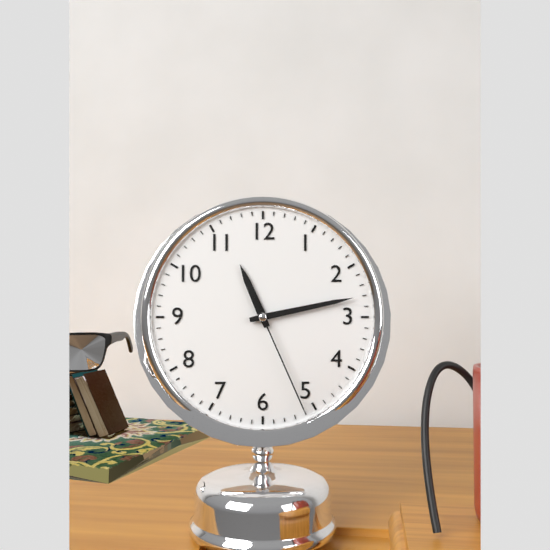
11:13:26
